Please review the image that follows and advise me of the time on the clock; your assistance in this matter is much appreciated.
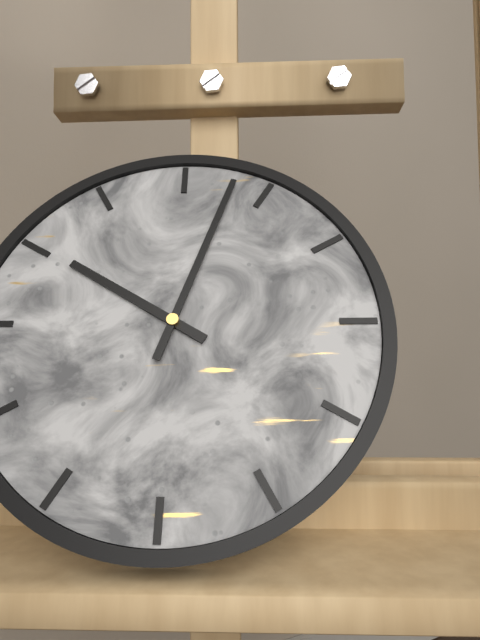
10:03
